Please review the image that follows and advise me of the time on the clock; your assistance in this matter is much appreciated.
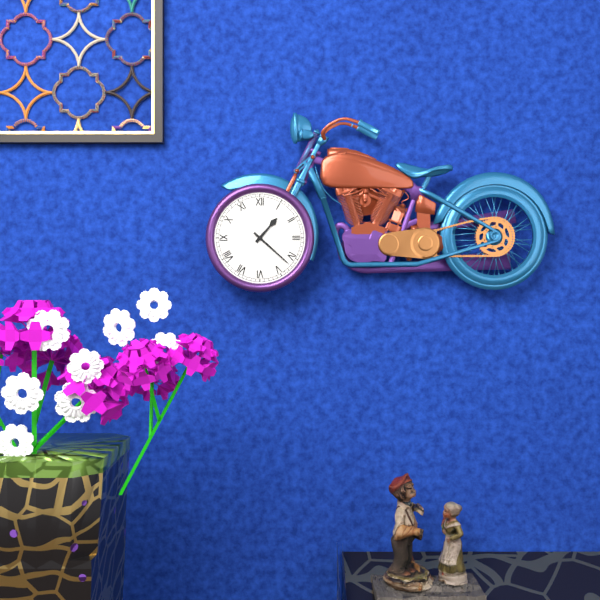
1:22
